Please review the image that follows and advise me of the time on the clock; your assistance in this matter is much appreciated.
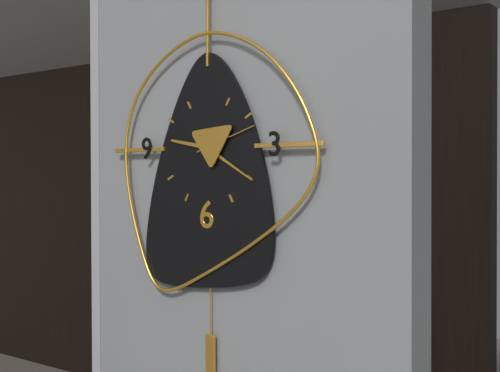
9:20:12
